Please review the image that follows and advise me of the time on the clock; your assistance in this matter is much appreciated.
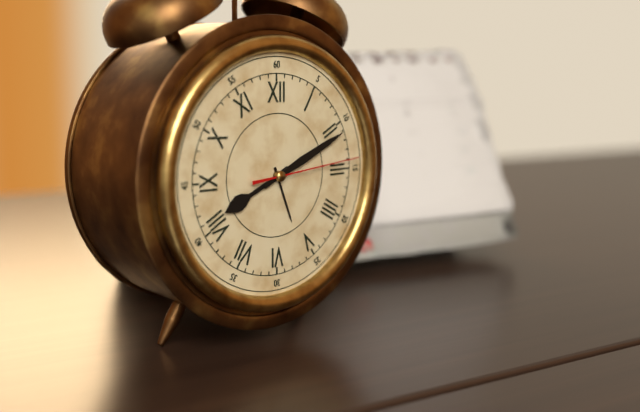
8:11:14
